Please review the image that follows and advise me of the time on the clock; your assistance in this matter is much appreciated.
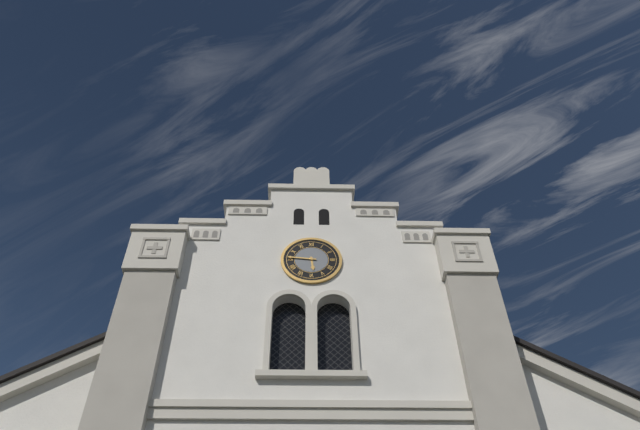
5:46
